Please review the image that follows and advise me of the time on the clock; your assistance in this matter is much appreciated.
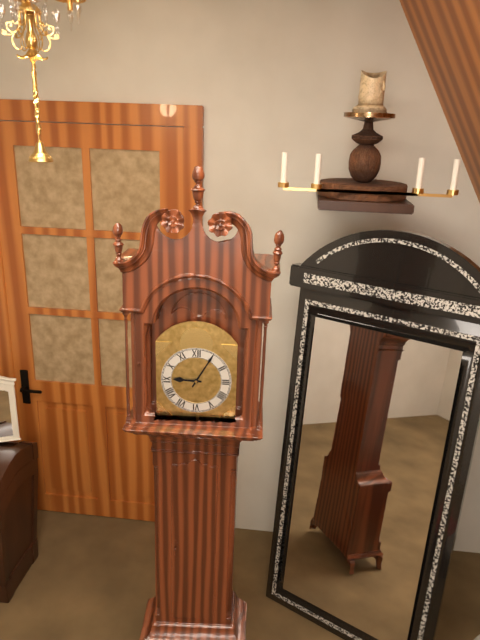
9:05
